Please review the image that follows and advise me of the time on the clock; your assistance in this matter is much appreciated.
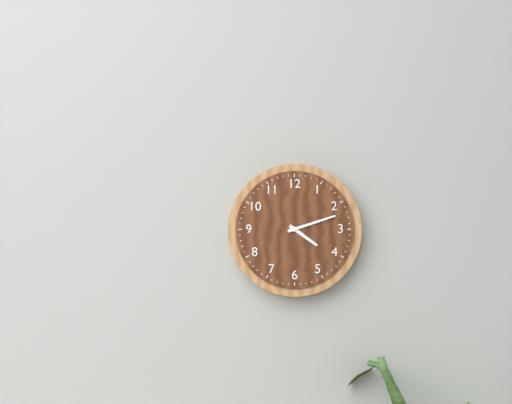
4:12
